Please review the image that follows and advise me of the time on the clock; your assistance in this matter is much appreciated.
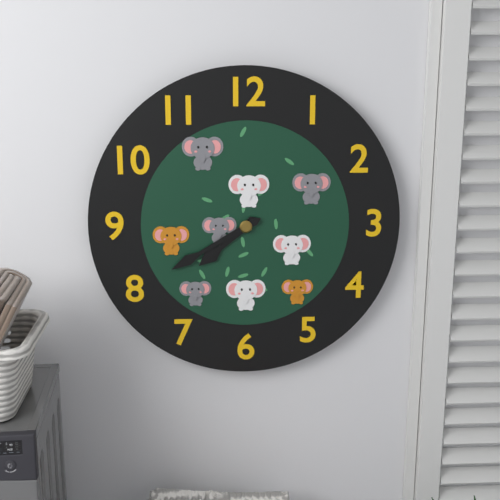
7:40
